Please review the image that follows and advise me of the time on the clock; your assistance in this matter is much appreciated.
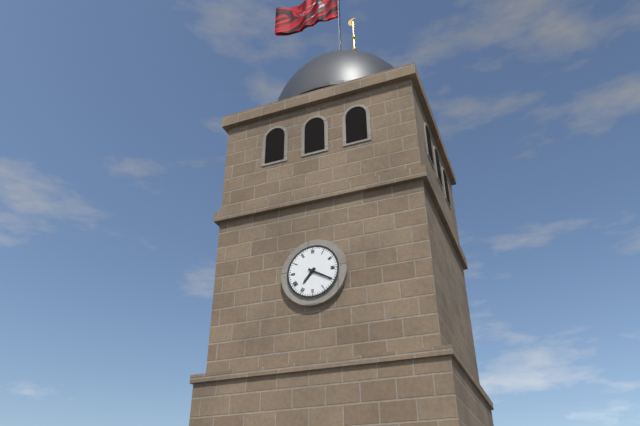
7:20
